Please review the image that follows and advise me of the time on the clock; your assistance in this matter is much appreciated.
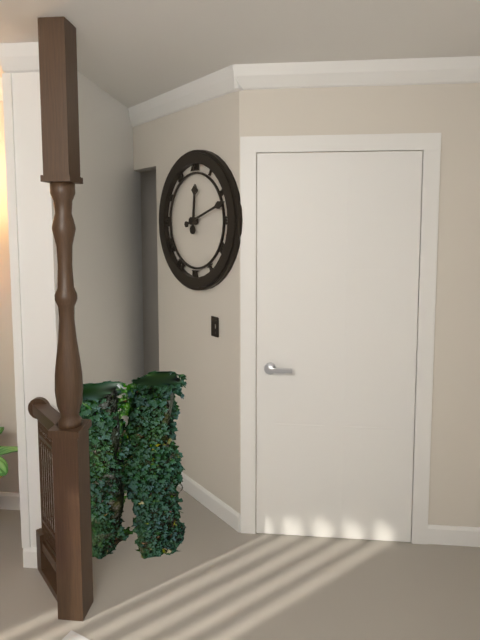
12:12
